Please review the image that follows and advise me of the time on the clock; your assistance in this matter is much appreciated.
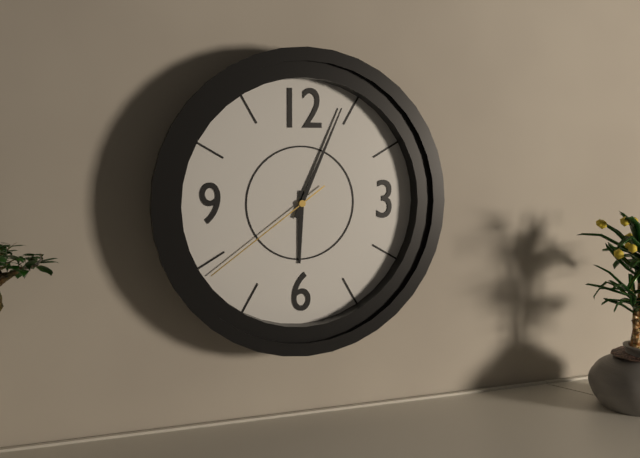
6:04:39
